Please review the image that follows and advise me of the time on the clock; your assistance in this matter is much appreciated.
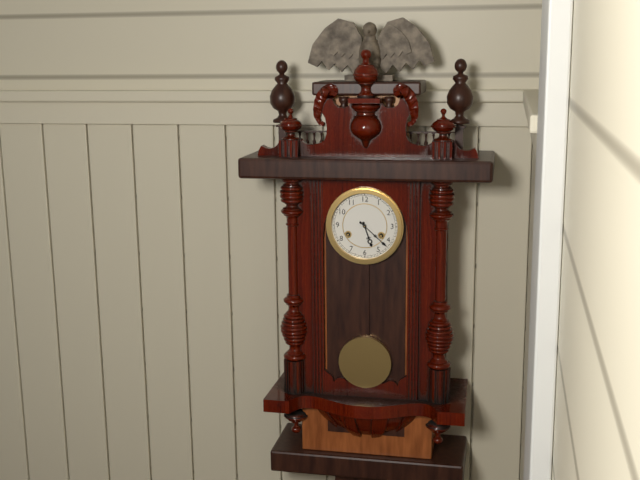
5:22
